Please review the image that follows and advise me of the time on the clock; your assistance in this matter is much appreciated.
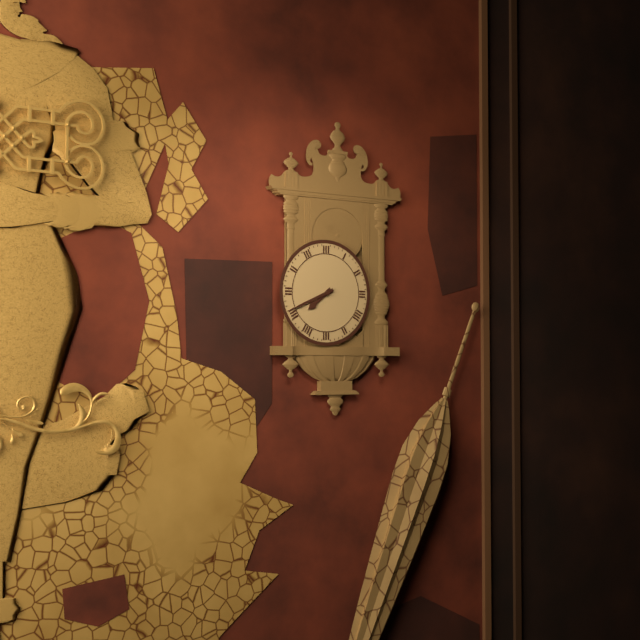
7:41
